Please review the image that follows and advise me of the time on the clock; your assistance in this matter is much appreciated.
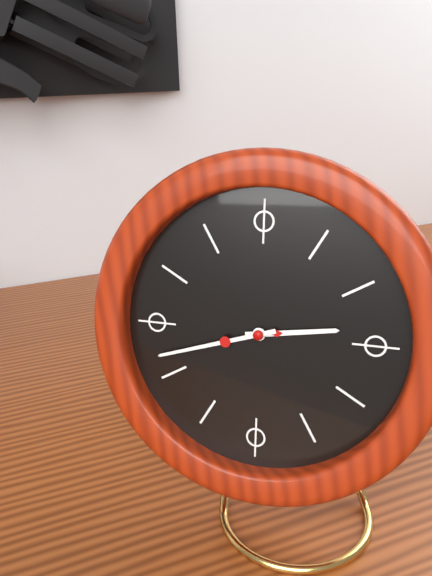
2:42
